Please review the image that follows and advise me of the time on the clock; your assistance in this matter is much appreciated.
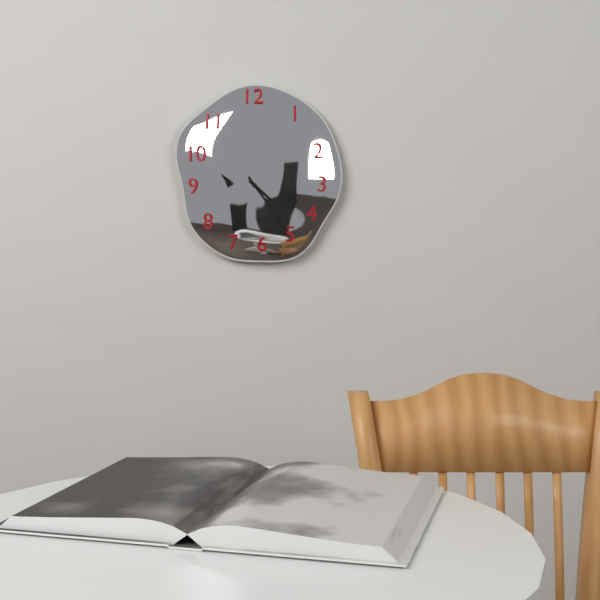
4:24
